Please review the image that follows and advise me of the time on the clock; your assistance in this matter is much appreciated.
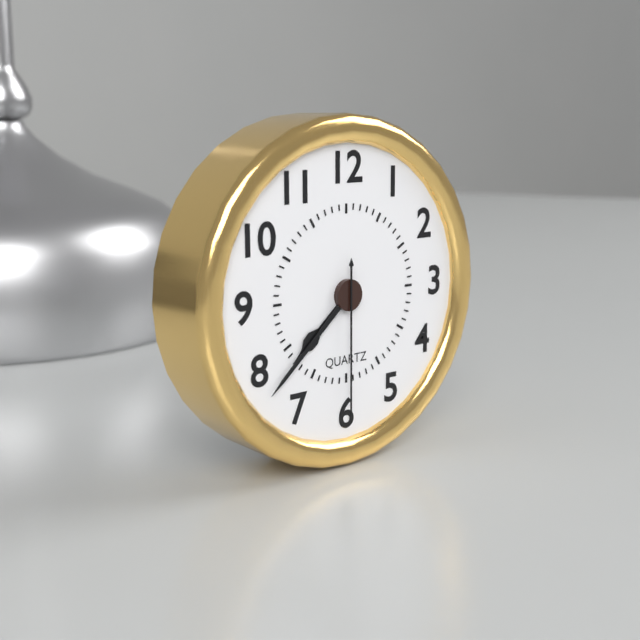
7:38:30
